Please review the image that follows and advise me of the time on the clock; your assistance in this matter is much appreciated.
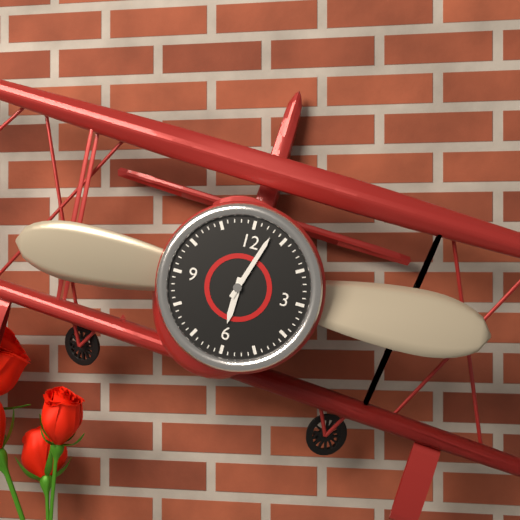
6:03
